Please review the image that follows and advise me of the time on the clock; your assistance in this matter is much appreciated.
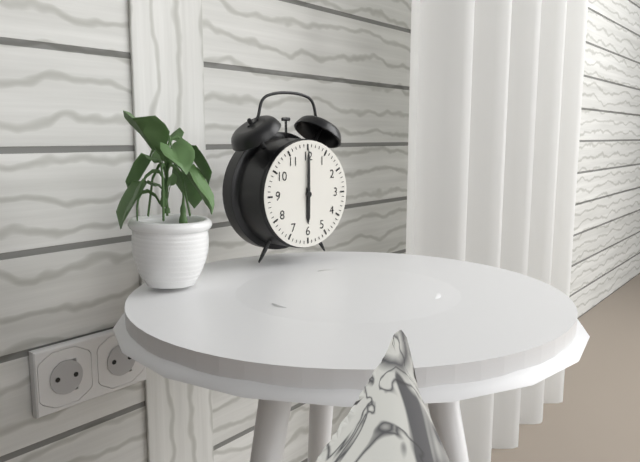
6:00
